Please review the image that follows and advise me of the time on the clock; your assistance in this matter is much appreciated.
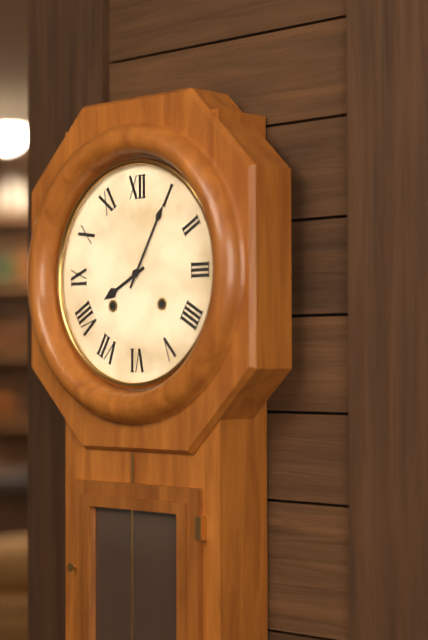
8:05
